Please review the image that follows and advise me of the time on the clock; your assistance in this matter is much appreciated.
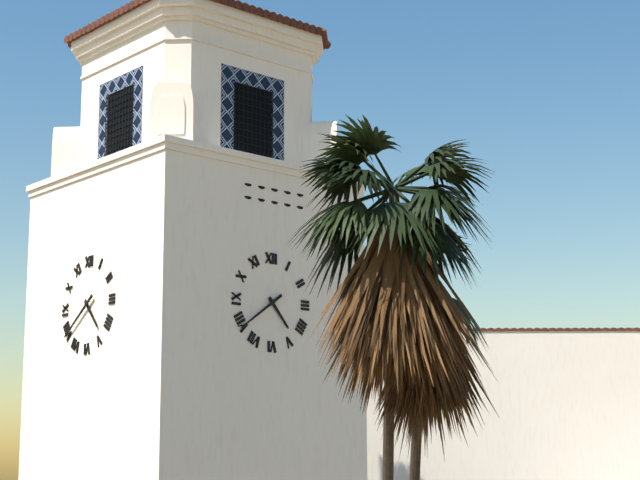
4:39
